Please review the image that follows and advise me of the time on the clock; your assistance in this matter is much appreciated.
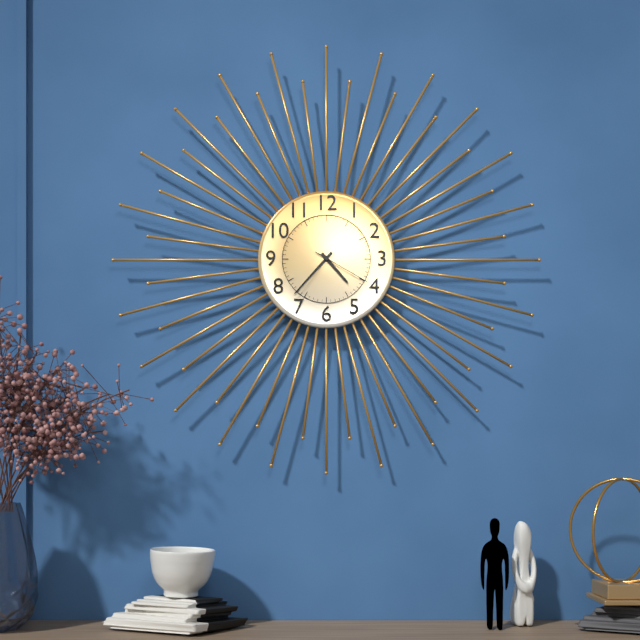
4:37:20
